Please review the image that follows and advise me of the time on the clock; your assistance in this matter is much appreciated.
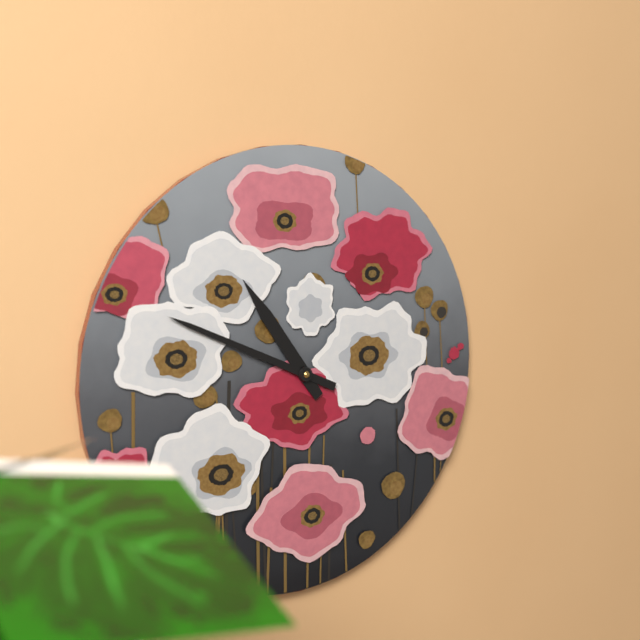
10:49
